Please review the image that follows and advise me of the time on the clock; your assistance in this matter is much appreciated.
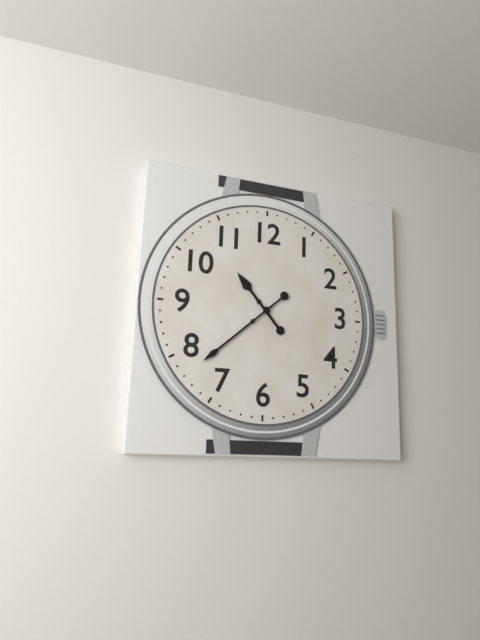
10:38
